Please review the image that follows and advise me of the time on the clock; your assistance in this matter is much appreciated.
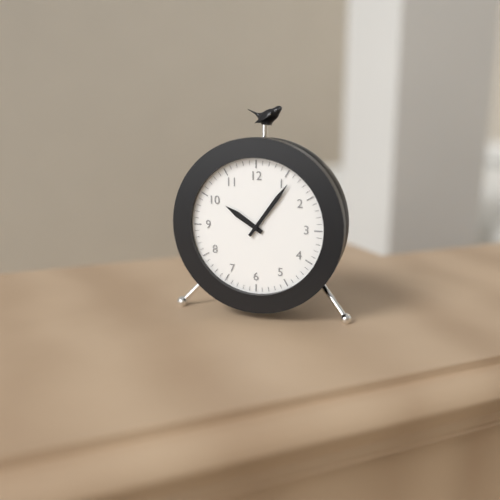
10:06
